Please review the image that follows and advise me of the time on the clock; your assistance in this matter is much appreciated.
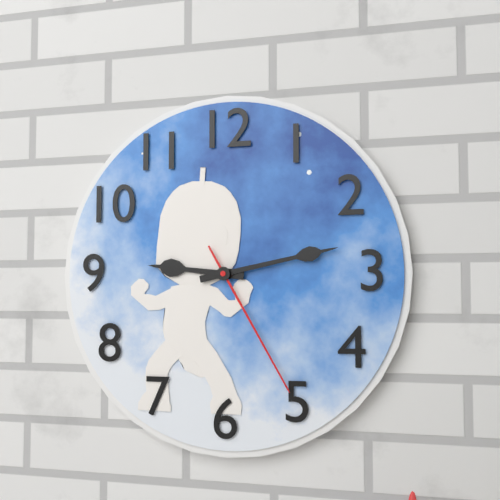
9:13:25
